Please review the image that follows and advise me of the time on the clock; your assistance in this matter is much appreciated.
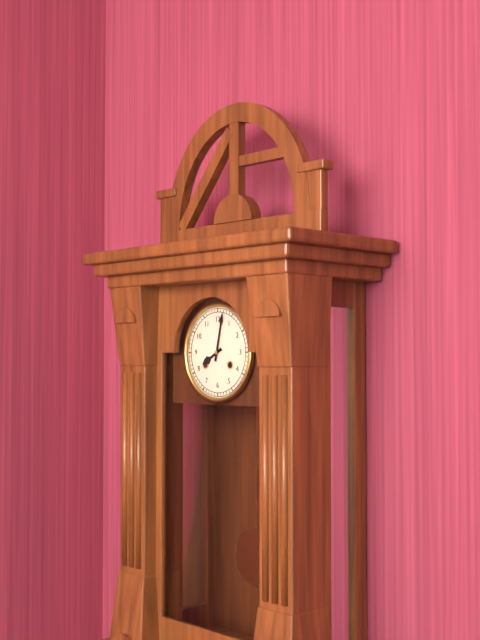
8:02
